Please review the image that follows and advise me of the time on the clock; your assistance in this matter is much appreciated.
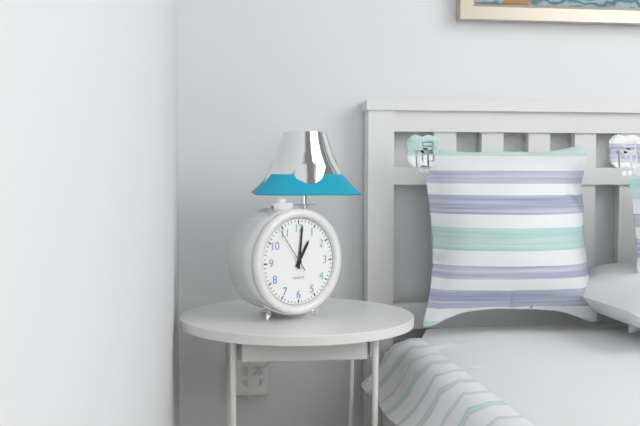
1:01
